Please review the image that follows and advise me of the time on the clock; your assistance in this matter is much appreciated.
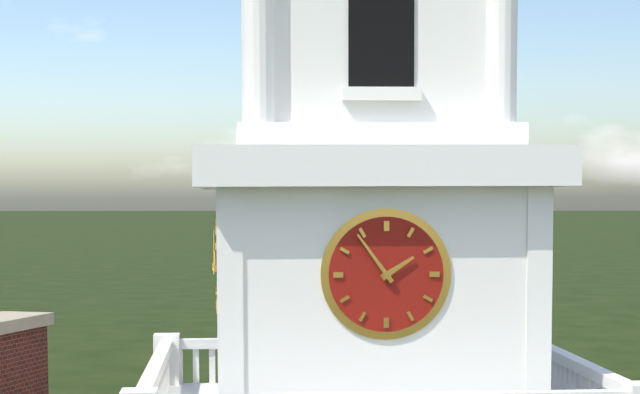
1:54
